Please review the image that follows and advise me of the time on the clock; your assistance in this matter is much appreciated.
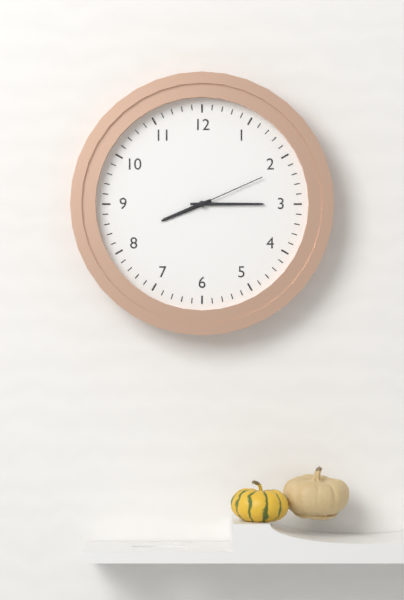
8:15:11
